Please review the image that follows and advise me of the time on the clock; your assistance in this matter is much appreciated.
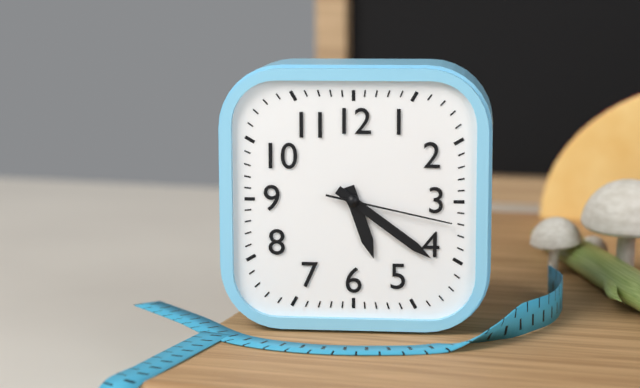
5:21:17
